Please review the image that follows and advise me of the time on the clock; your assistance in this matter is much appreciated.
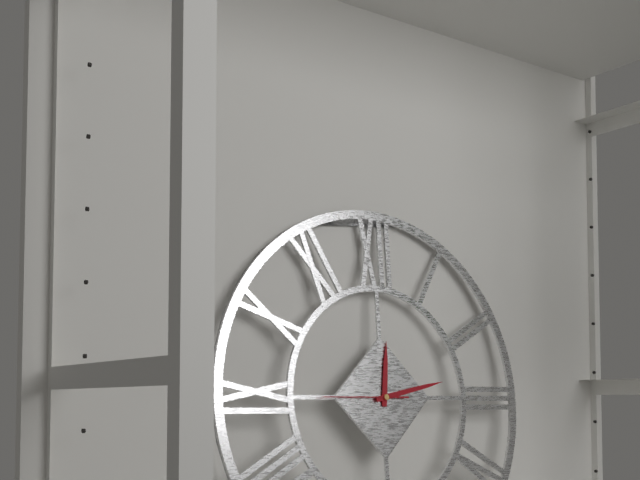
12:13:45
